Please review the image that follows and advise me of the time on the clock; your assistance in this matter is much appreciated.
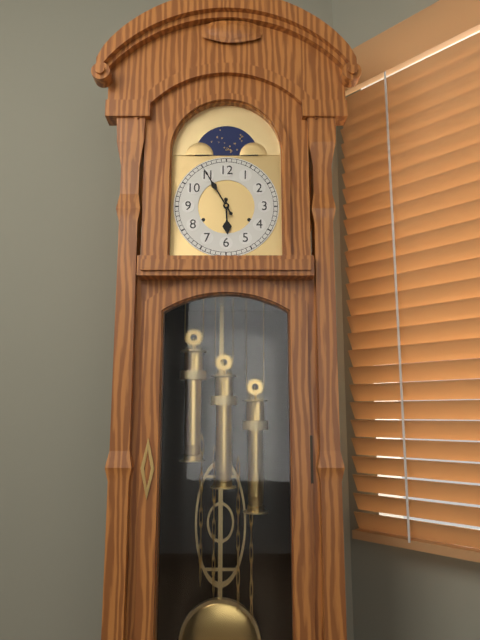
5:55
